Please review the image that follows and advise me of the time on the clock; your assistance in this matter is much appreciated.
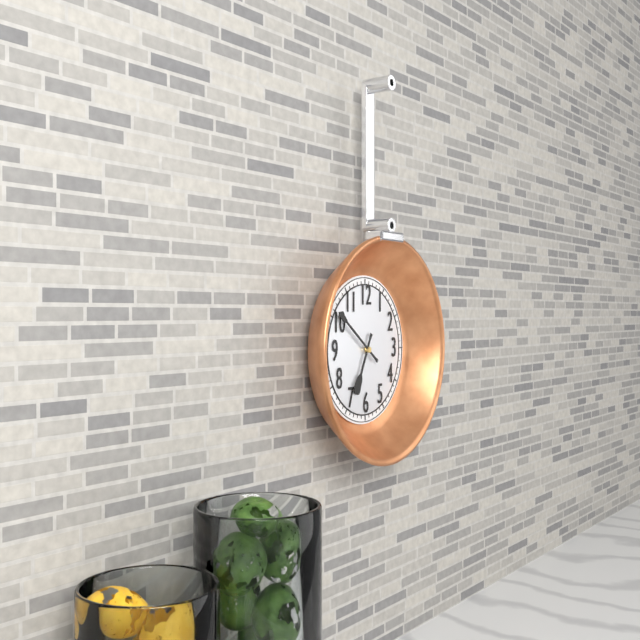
6:51
